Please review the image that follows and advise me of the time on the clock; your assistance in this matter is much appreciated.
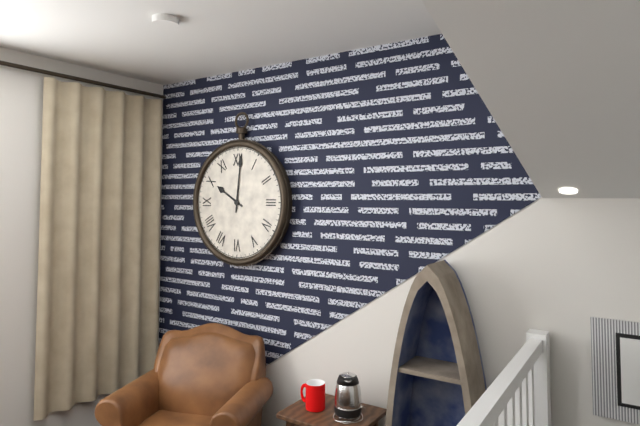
10:01
